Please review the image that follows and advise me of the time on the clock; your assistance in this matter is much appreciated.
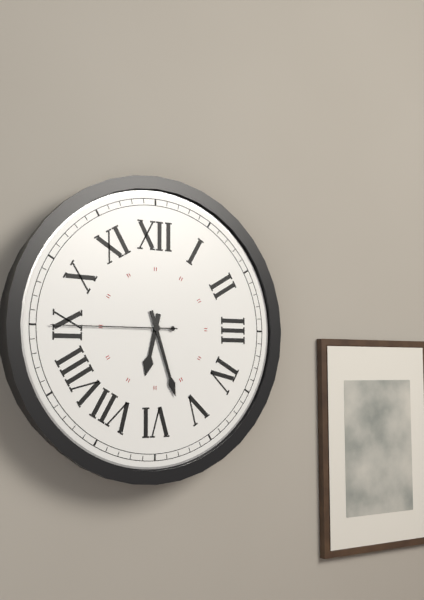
6:27:45
